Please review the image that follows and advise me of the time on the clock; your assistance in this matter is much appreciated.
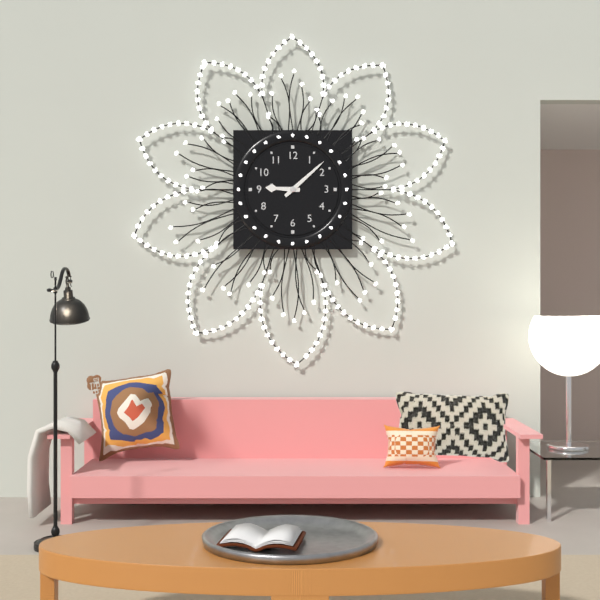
9:08
